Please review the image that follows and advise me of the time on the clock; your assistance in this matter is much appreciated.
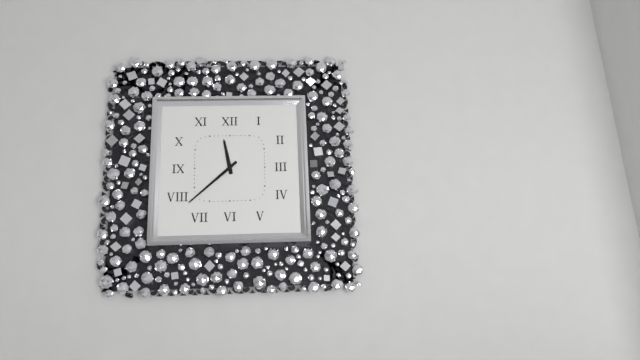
11:38
